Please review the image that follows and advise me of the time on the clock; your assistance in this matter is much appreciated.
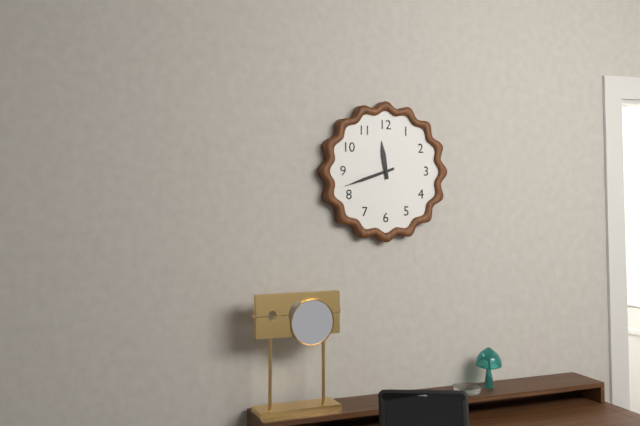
11:42
